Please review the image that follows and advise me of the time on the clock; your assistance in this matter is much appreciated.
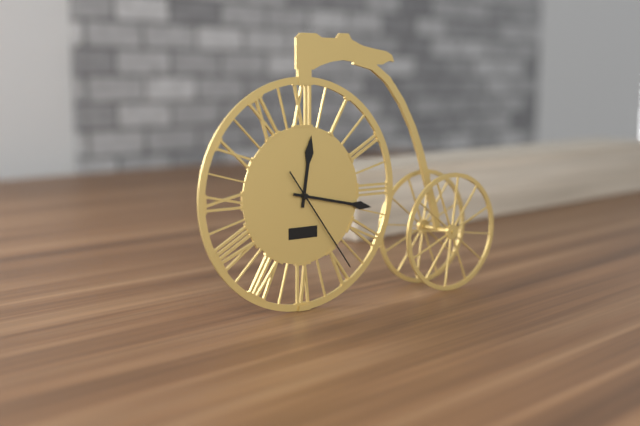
12:17:24
